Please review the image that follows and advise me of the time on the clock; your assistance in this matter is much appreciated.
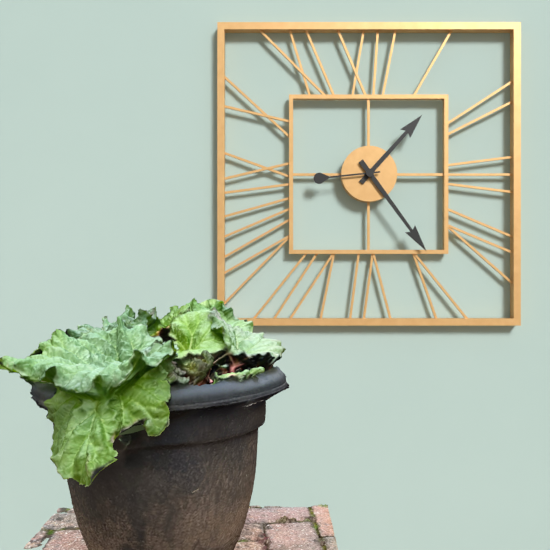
1:24:44
